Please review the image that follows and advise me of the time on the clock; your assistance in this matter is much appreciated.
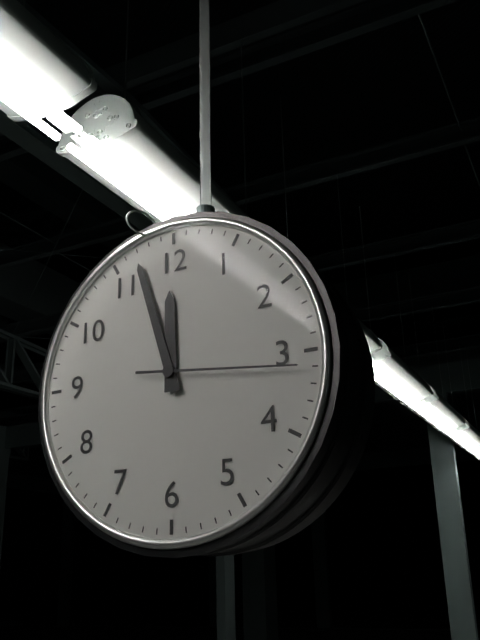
11:57:16
